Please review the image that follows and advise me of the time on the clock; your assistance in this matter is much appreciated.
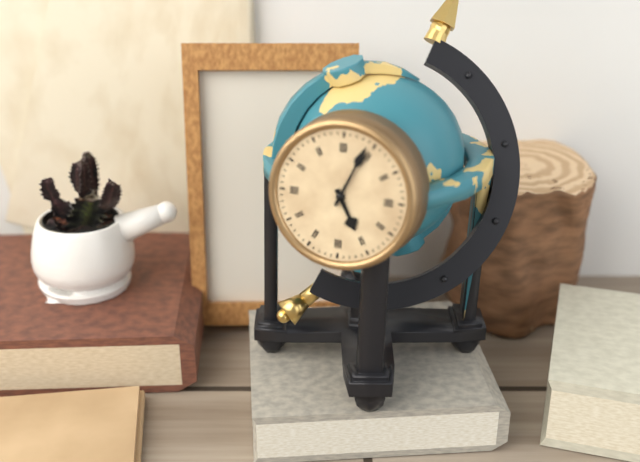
5:04
